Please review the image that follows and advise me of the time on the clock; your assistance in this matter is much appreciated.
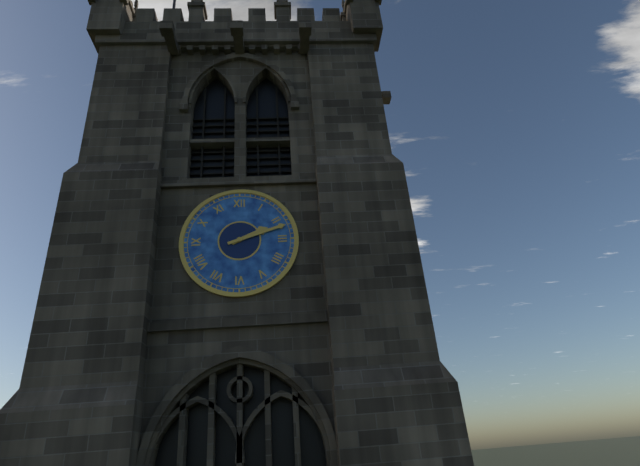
2:12
